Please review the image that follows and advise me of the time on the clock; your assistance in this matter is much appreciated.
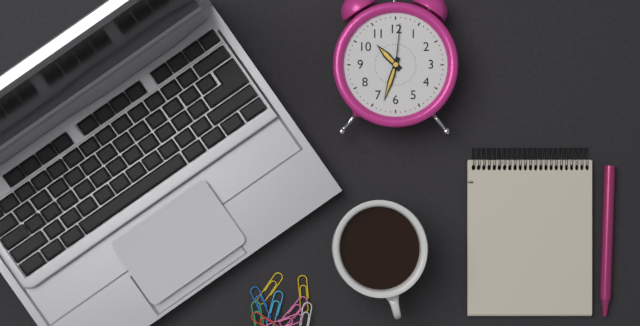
10:33:01
